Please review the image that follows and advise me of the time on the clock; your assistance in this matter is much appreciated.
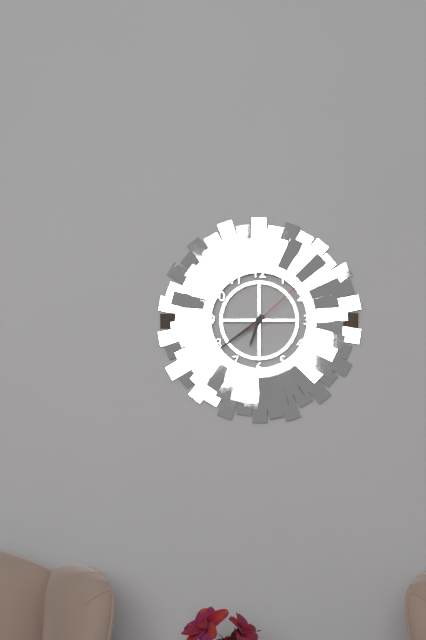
6:39:08
